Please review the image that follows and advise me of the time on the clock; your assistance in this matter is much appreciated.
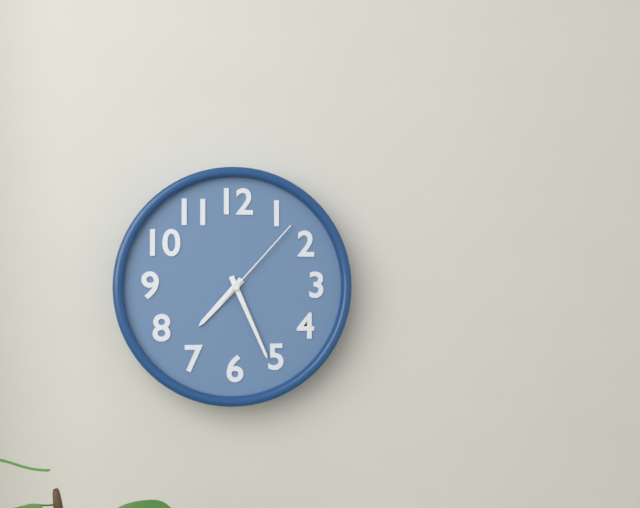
7:26:07
